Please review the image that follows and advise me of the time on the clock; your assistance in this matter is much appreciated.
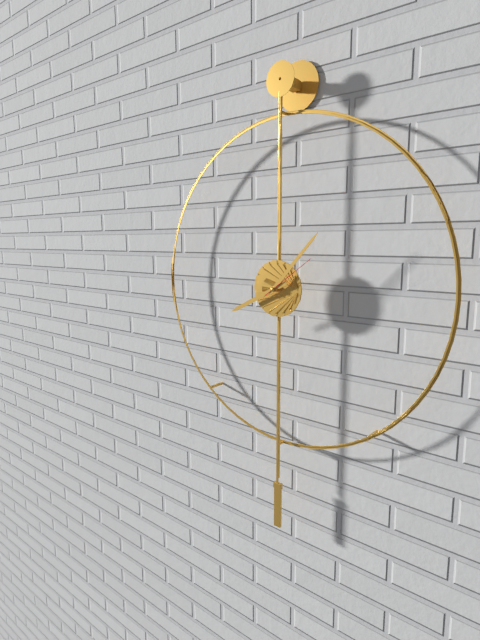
8:07:09
